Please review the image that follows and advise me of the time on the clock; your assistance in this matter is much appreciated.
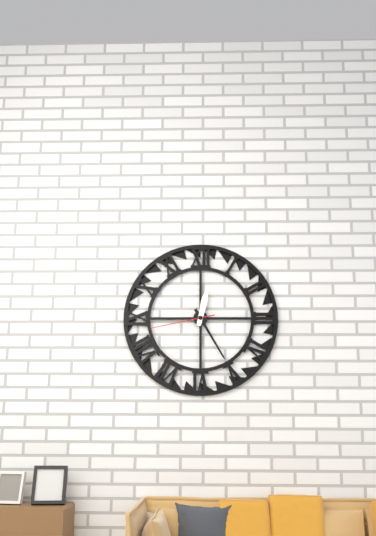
12:25:43
